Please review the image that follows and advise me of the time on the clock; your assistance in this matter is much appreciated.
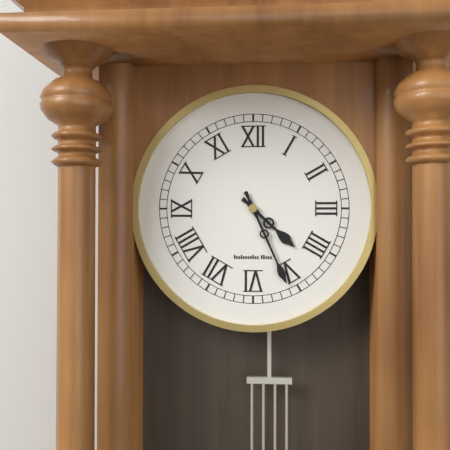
4:26
